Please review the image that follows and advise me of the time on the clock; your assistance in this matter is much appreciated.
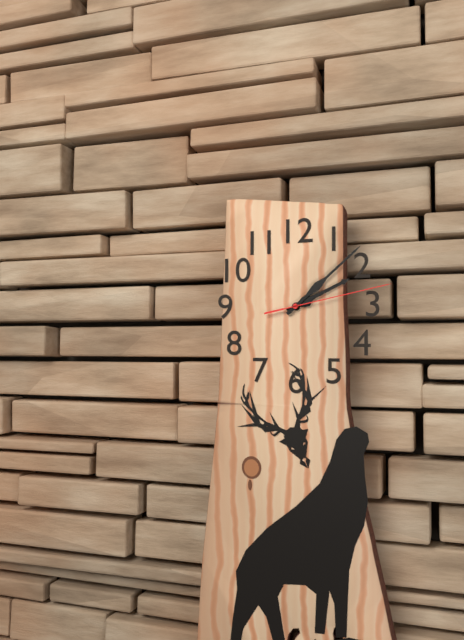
2:08:13
